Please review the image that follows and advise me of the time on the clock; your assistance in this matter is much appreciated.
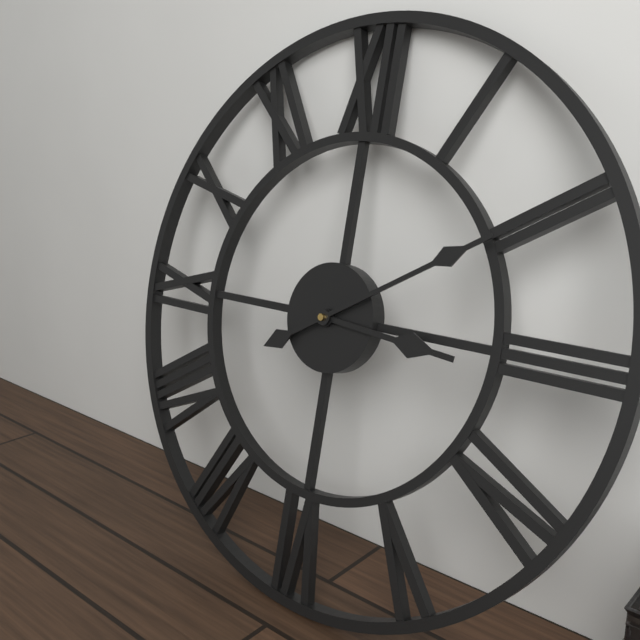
3:10
